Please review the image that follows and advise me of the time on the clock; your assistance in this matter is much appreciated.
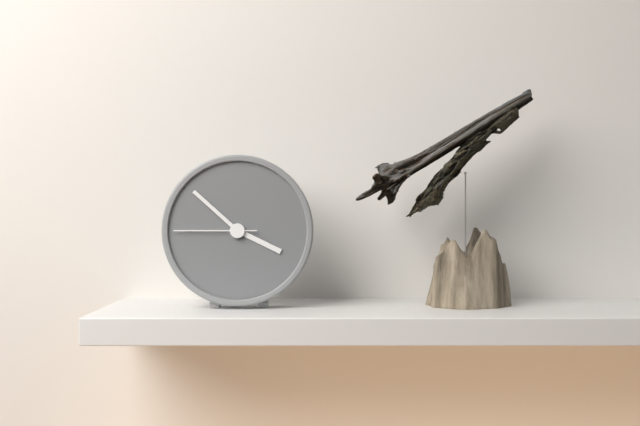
3:52:45
